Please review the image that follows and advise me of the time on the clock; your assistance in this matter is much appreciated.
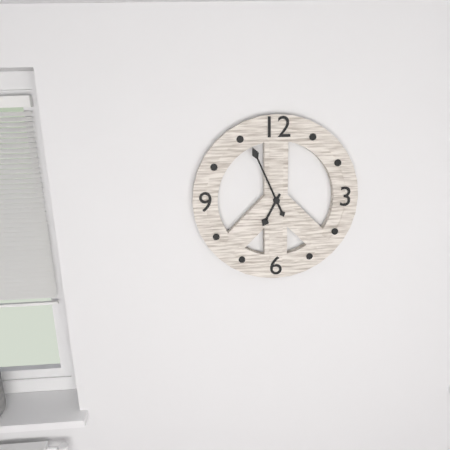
6:56
